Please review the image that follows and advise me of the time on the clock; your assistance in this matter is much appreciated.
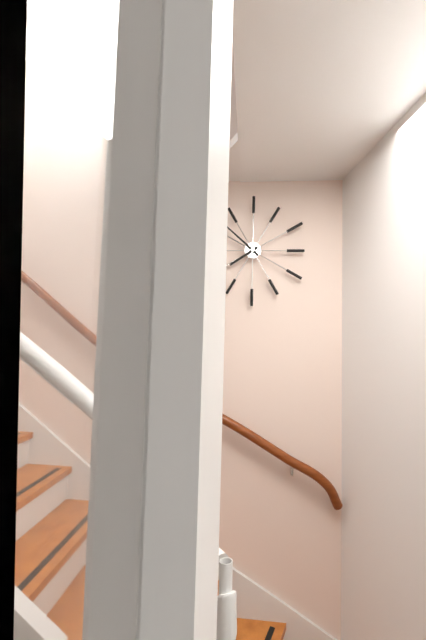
7:52
